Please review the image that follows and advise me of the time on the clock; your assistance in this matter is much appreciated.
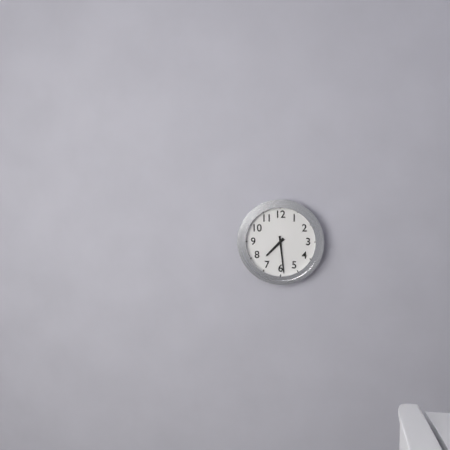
7:29
